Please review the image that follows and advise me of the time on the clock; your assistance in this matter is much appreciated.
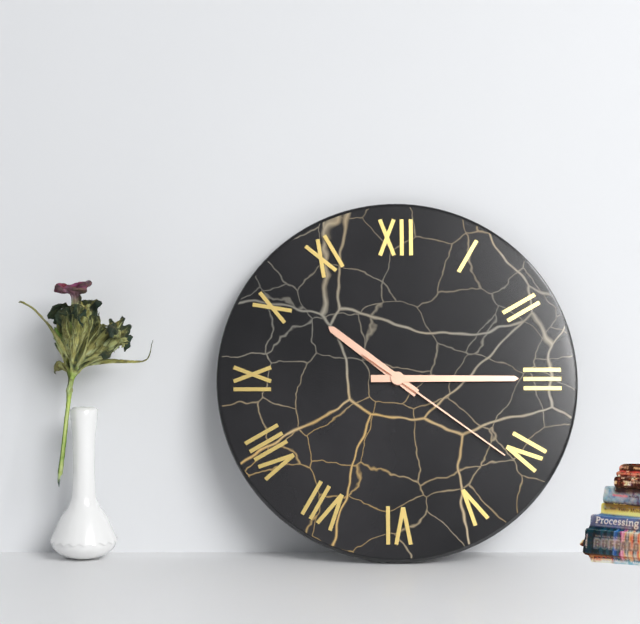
10:15:21
